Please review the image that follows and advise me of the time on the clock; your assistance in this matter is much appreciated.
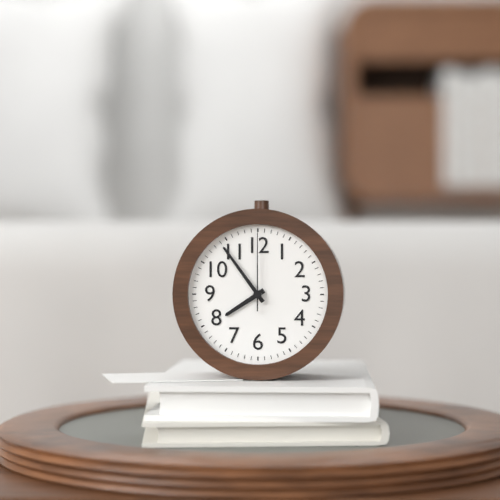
7:54:00
